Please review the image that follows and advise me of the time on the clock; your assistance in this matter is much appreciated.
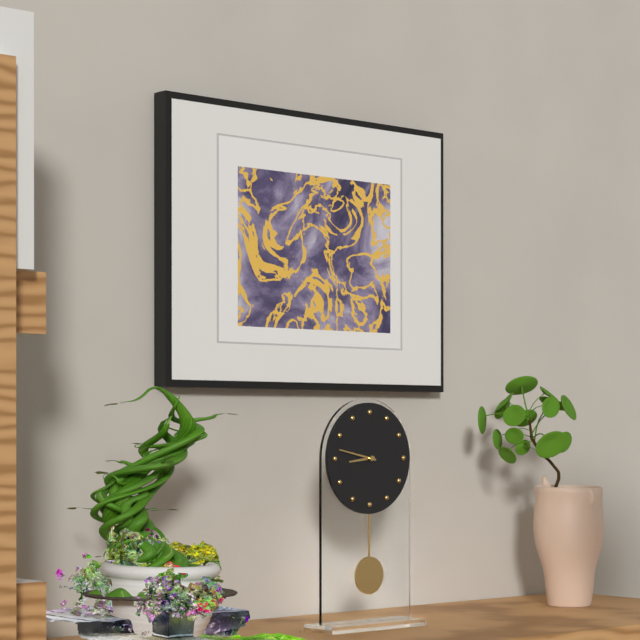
8:47
